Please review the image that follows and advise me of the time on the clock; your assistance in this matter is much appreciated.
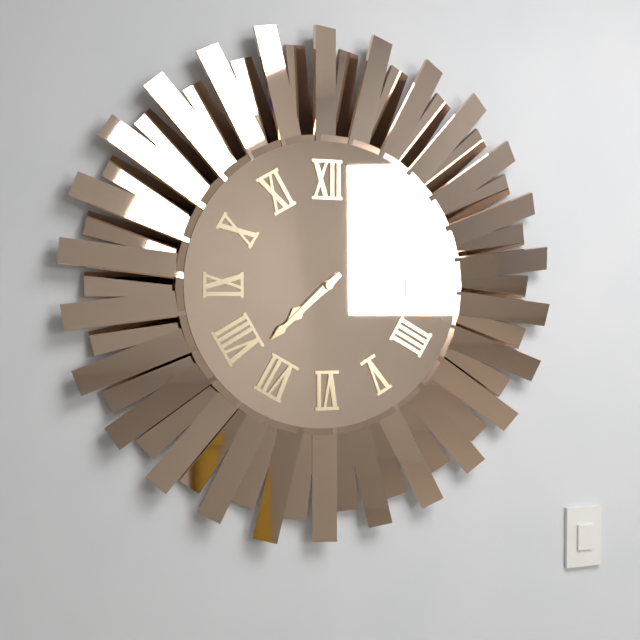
7:38
